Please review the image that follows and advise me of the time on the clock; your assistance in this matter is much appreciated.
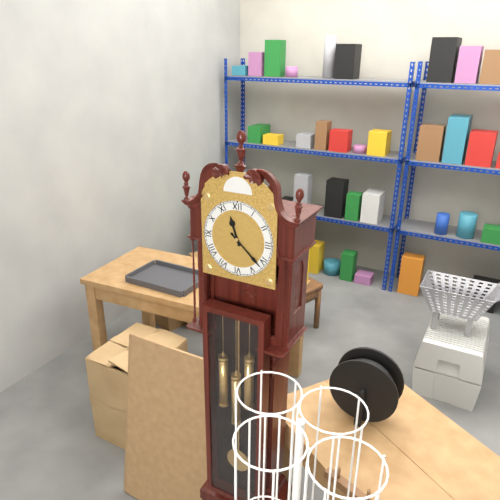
11:22
